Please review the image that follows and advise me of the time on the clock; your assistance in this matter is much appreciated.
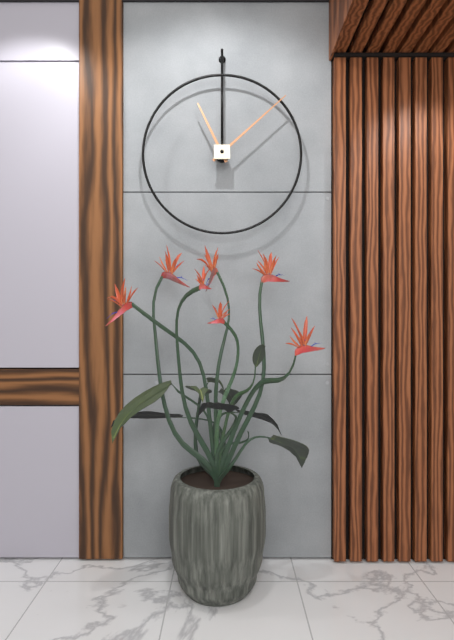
11:08
